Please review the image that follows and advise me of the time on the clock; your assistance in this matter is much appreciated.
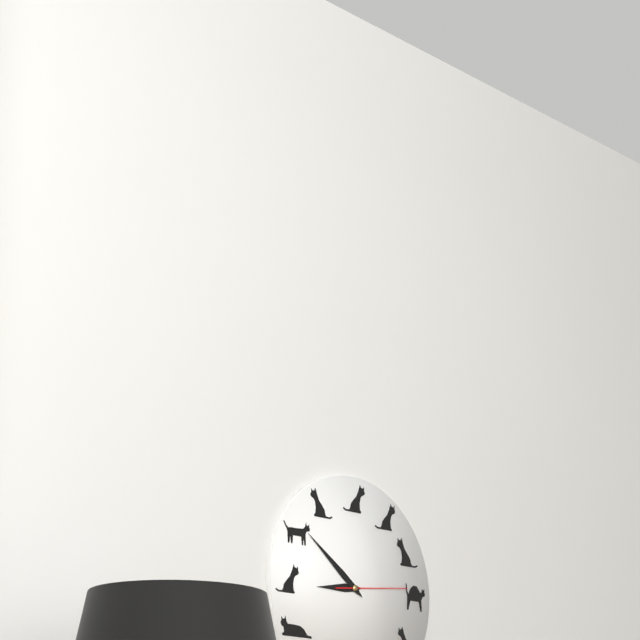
8:51:14
